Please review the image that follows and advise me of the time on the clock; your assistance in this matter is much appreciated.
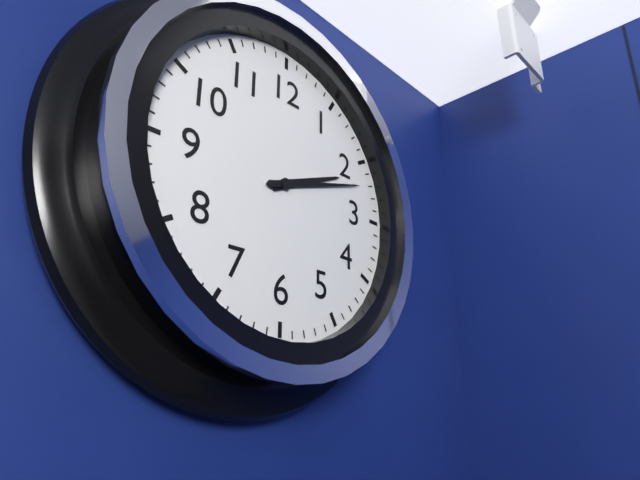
2:12
